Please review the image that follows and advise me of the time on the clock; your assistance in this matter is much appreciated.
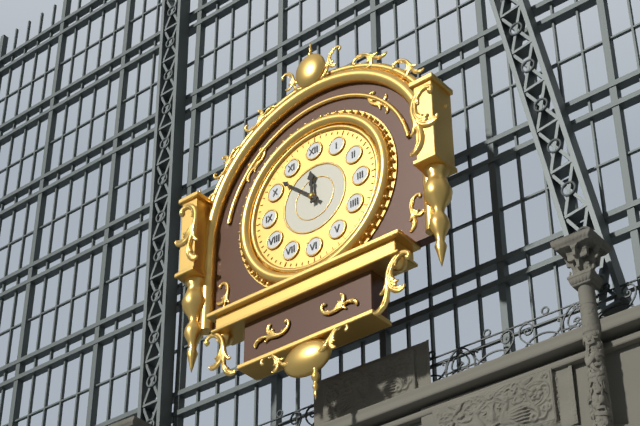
11:52
